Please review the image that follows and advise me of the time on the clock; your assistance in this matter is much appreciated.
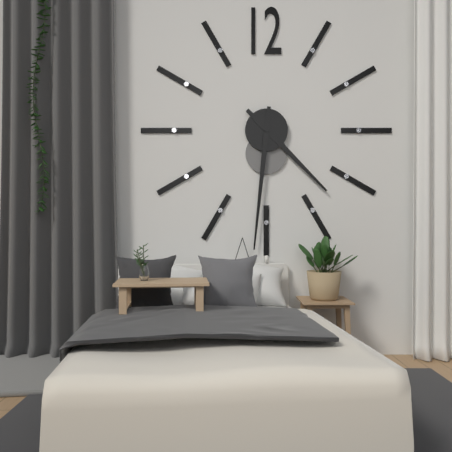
4:31
